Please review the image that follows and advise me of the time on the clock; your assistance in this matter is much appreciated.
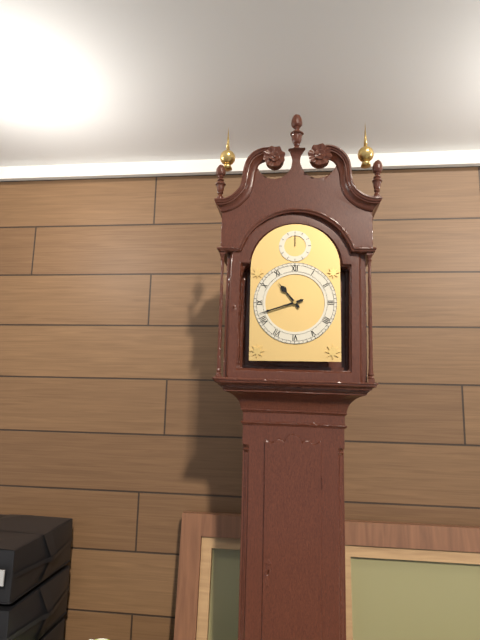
10:42
